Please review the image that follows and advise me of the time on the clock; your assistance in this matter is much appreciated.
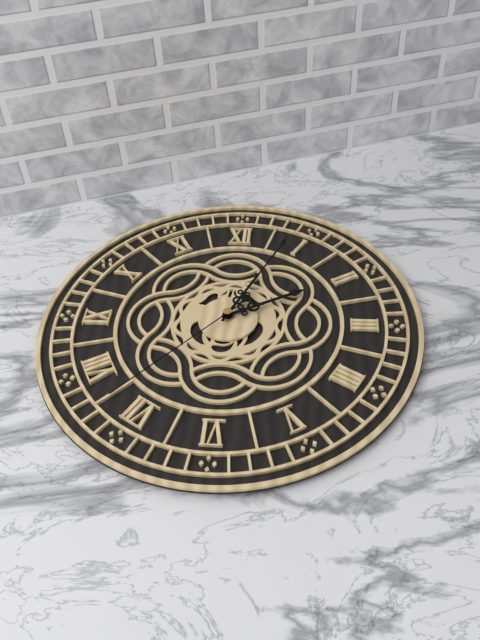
2:04:37
